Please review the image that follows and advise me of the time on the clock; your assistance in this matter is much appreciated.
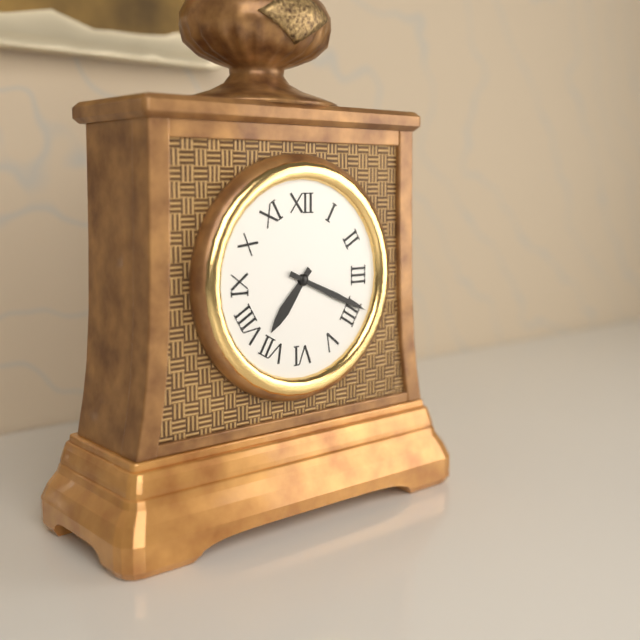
7:19
